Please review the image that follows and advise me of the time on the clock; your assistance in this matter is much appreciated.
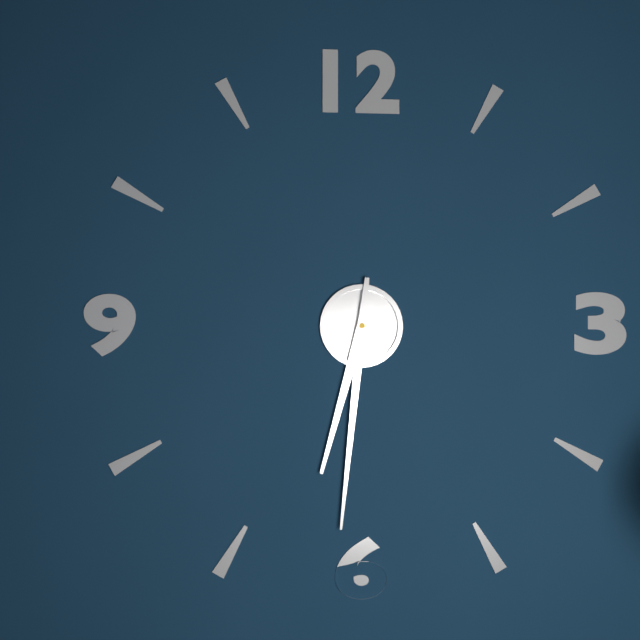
6:31
